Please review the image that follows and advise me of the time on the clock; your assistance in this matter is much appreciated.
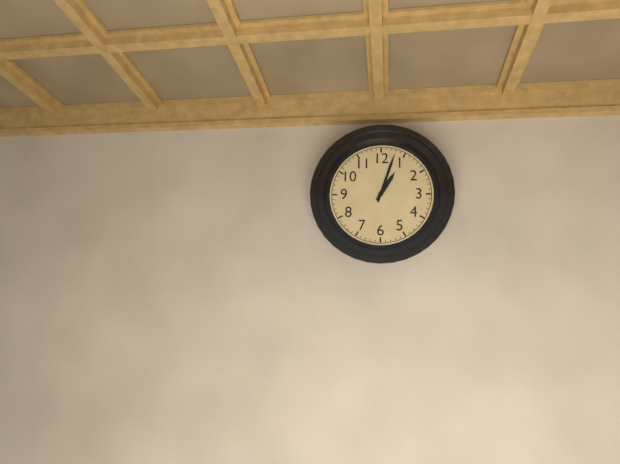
1:03
